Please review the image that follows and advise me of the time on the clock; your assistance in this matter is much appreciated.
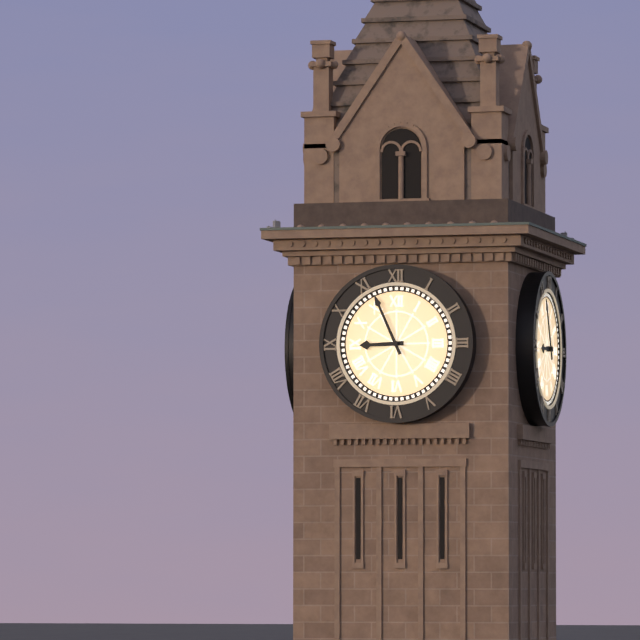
8:56
